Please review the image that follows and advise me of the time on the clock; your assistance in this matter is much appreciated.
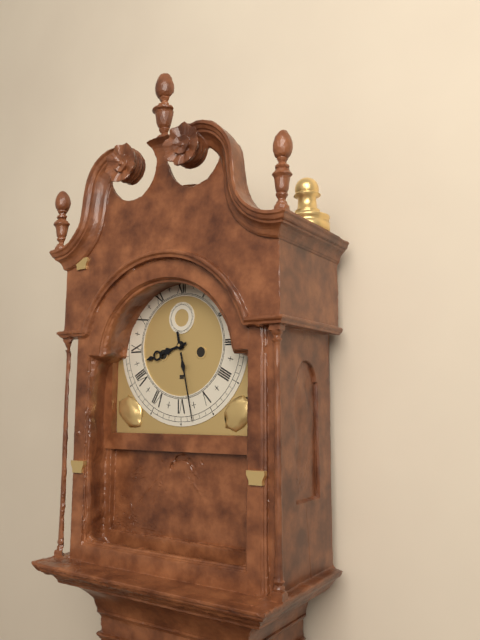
8:28
